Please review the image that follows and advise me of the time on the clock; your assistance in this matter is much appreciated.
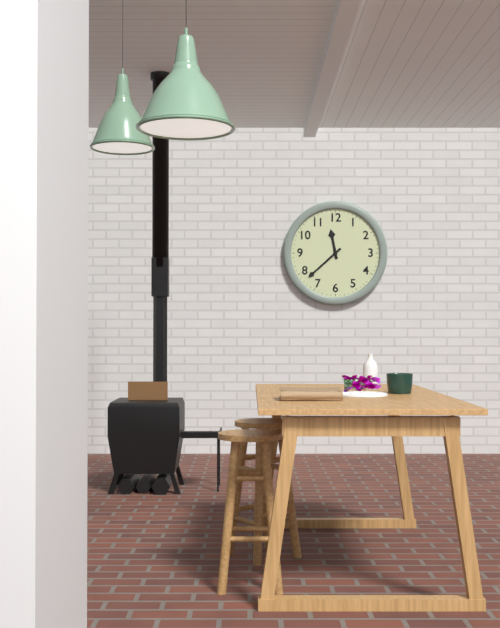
11:38
